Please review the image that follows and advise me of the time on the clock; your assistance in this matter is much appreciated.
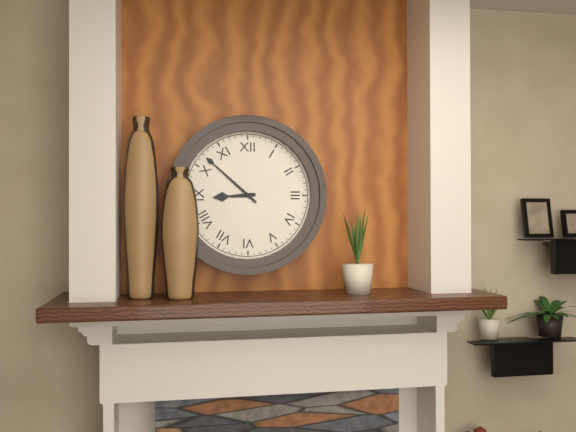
8:52
